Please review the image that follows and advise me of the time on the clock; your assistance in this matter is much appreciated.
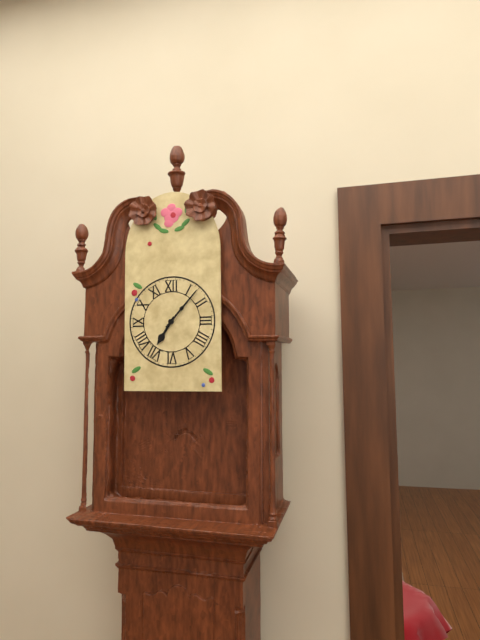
7:07
